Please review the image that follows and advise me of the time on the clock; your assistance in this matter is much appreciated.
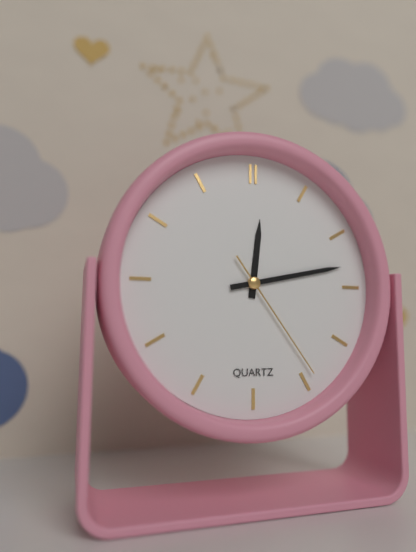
12:13:24
